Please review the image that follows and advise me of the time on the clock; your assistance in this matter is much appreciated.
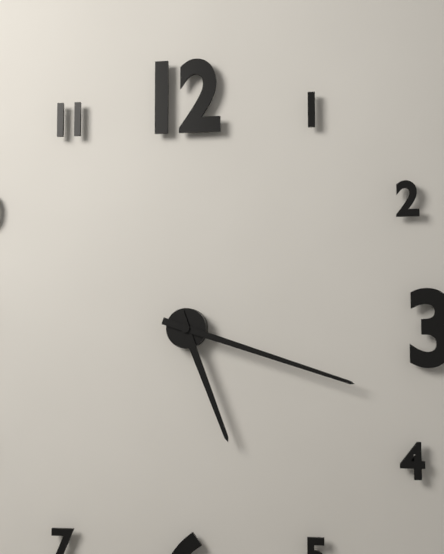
5:18
